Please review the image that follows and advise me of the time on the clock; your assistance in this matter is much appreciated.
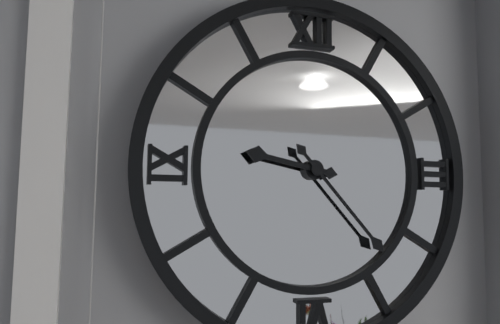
9:23
